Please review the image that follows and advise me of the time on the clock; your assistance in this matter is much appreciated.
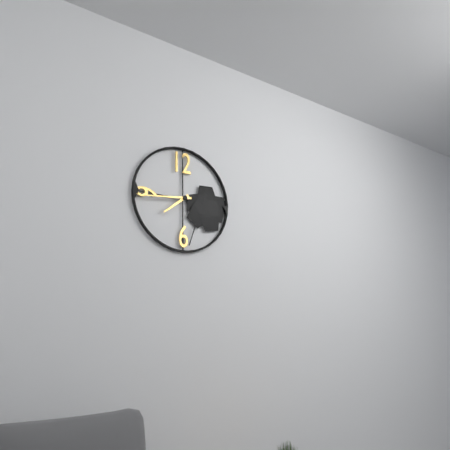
7:44
